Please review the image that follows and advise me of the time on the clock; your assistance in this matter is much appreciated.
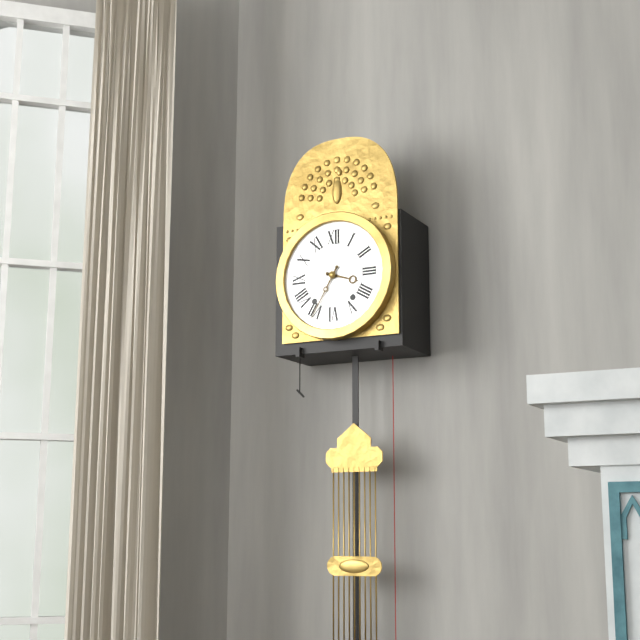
3:35
